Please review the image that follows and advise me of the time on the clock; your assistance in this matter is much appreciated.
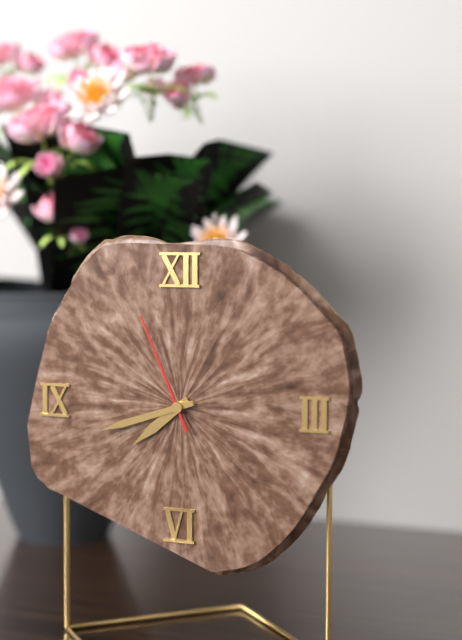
7:42:56
